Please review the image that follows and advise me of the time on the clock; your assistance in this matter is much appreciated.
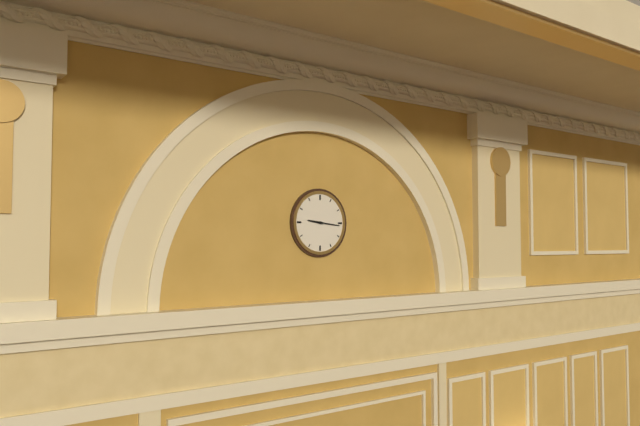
9:16
